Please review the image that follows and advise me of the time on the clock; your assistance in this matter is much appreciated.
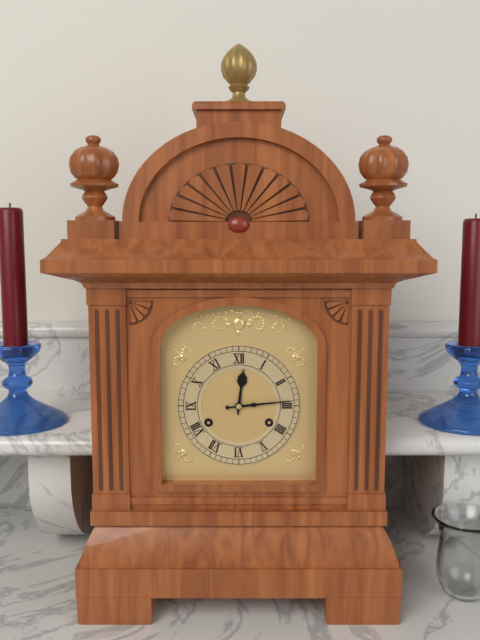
12:14
